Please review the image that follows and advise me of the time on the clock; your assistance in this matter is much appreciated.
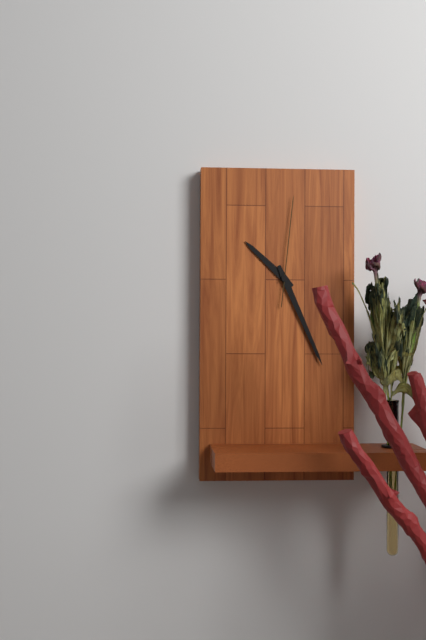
10:26:01
